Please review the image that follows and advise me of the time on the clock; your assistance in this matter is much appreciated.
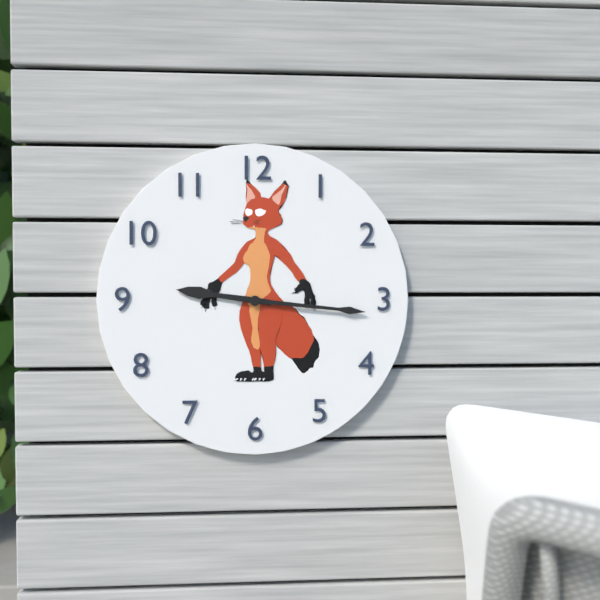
9:16
